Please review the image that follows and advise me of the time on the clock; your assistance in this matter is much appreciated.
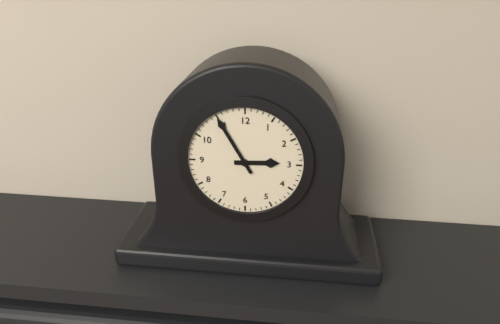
2:55
